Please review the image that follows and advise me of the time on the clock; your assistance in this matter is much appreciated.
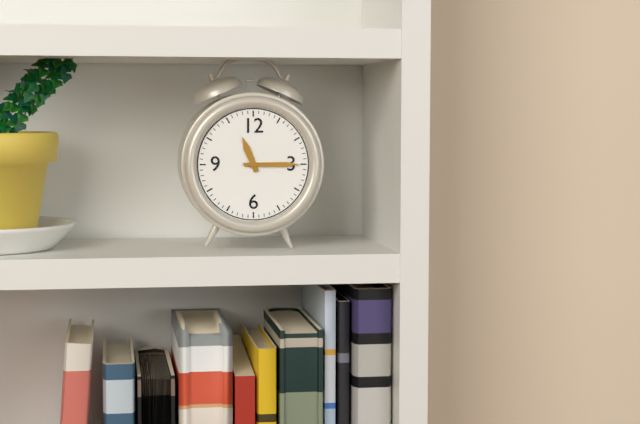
11:15
